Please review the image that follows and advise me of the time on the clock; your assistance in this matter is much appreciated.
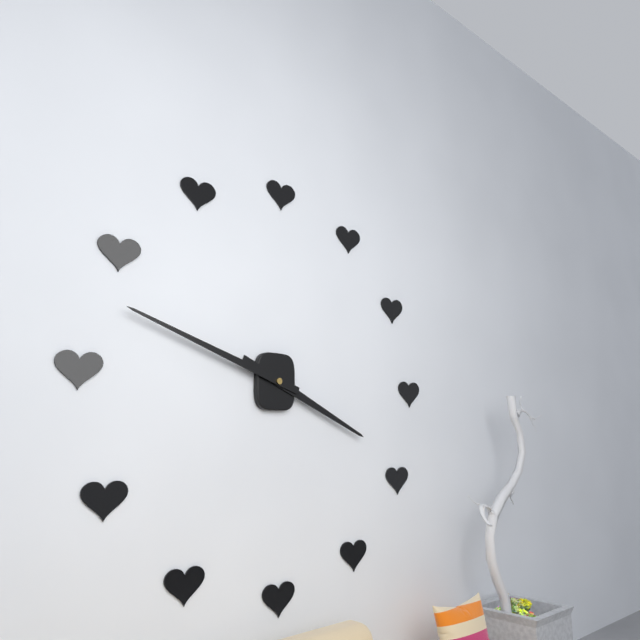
3:48
